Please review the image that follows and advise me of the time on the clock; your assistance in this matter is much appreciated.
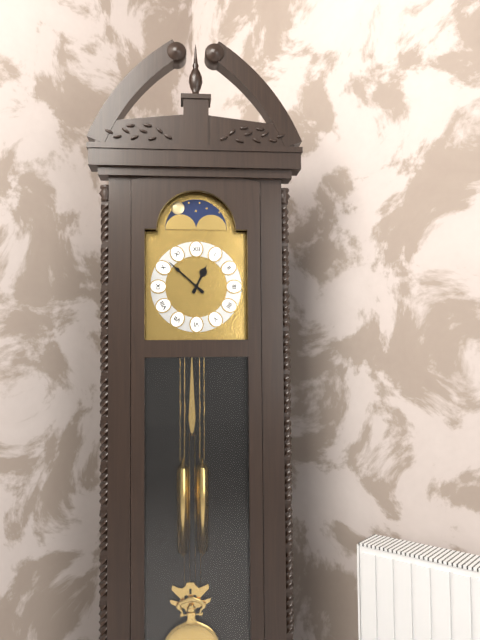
12:52
